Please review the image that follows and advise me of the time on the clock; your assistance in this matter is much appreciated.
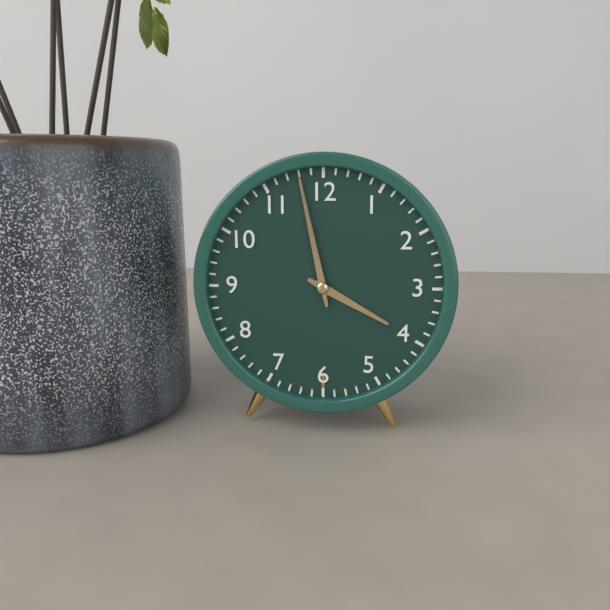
3:58
